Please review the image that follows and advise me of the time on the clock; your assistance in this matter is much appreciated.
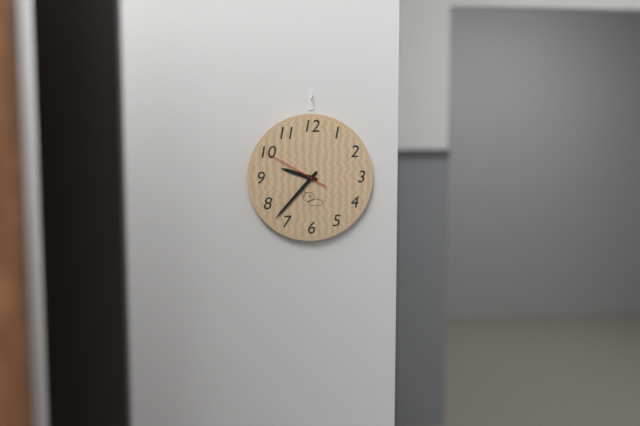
9:37:50
